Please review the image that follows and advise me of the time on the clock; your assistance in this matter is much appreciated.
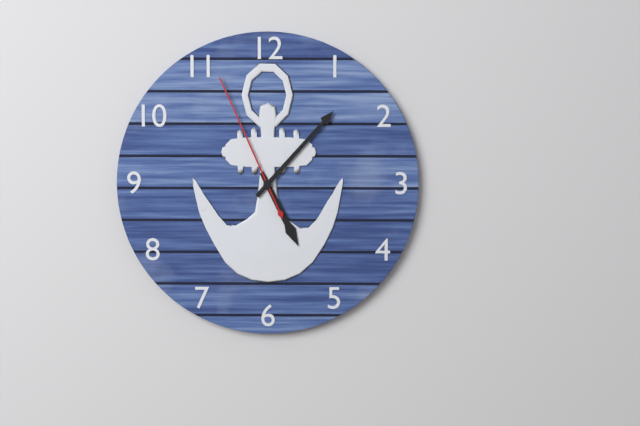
5:07:56
